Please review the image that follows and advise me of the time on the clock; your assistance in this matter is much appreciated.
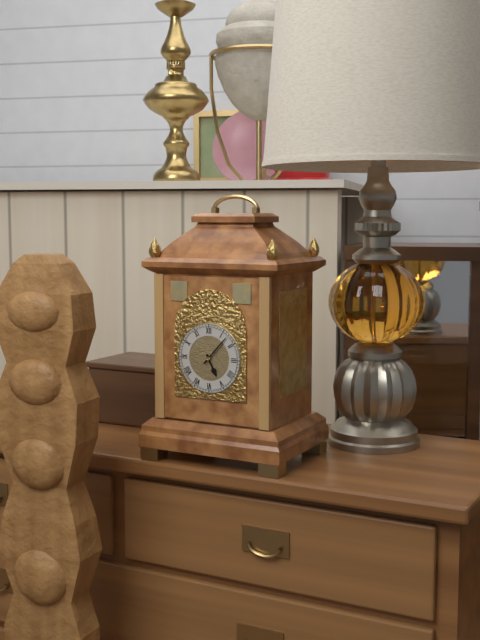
5:07
